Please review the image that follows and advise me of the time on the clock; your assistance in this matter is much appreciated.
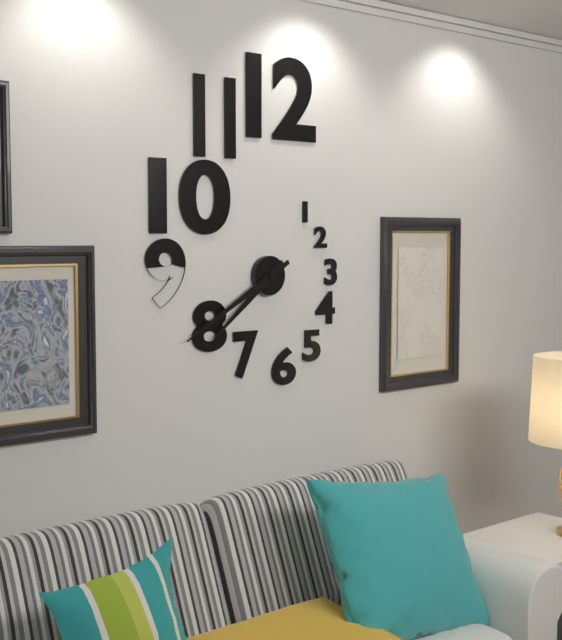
7:40
